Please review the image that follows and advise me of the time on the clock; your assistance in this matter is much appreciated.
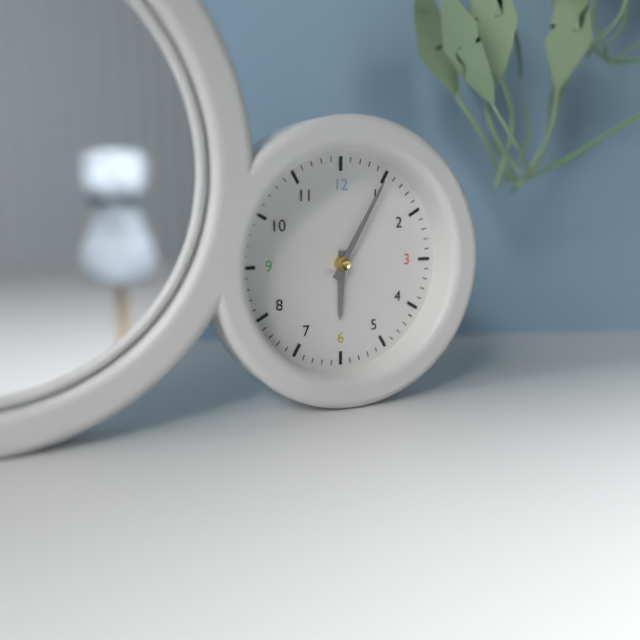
6:05
